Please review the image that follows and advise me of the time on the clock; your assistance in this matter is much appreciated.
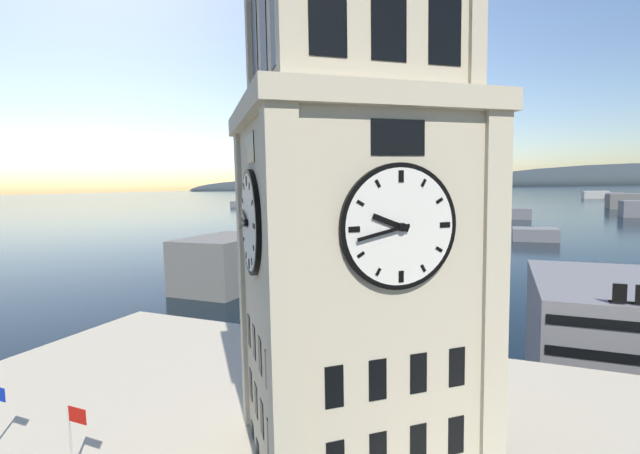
9:43
